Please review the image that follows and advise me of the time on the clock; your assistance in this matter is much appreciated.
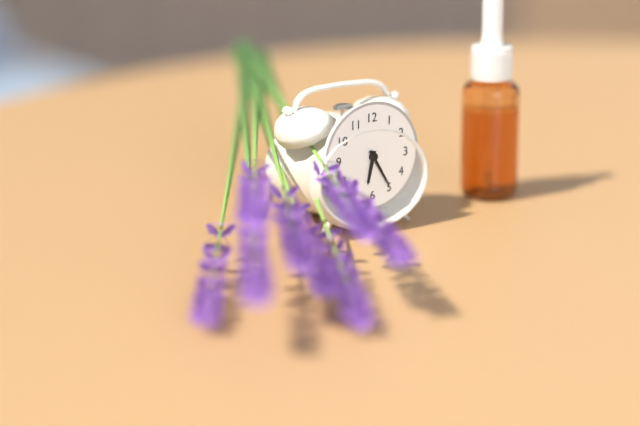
6:25
